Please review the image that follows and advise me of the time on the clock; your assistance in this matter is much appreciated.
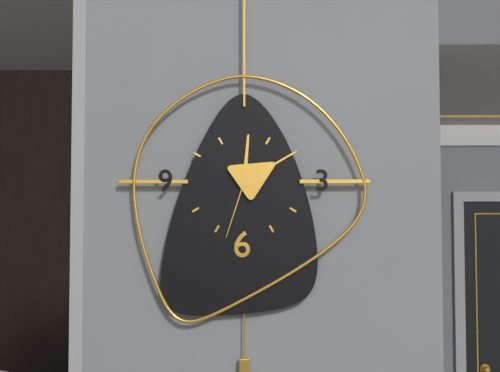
12:10:33
